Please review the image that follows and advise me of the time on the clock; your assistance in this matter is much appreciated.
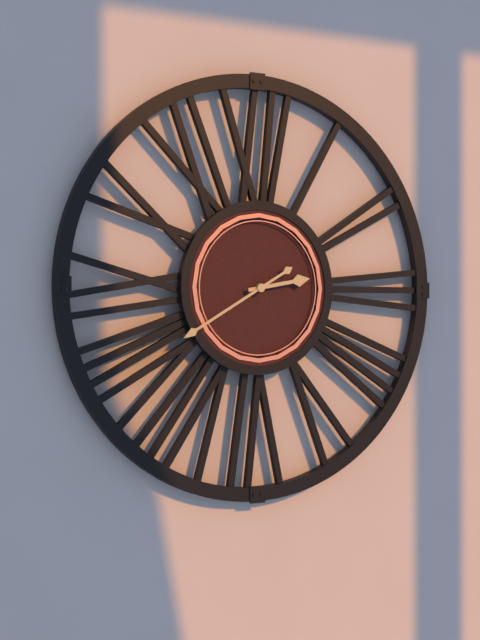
2:40
